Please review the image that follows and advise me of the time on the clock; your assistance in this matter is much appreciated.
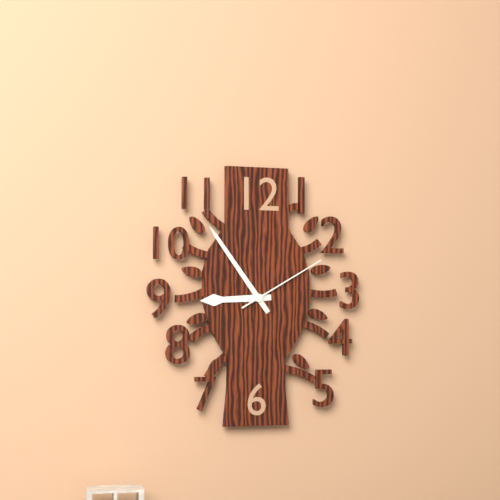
8:54:10
